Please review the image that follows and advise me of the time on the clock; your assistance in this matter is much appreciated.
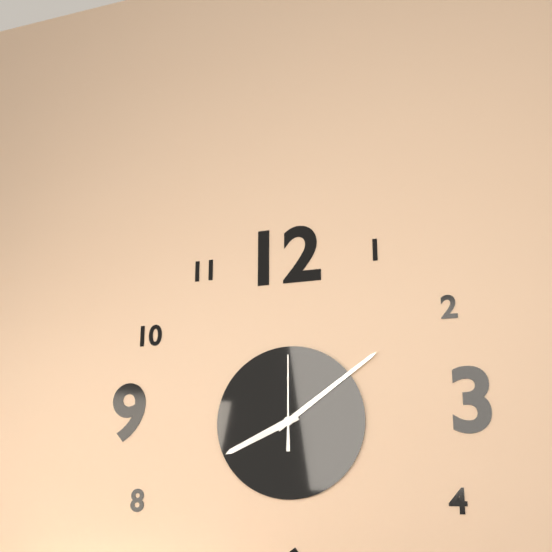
8:09:00
